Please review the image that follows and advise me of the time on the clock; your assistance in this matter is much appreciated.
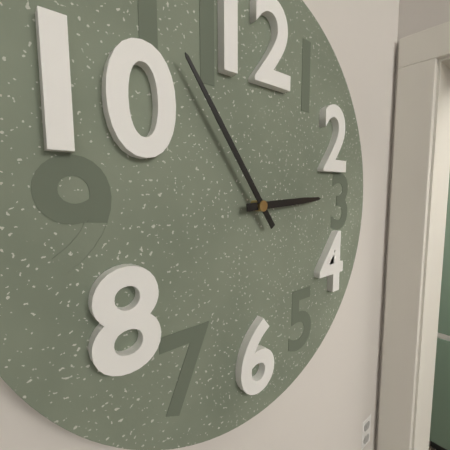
2:54
